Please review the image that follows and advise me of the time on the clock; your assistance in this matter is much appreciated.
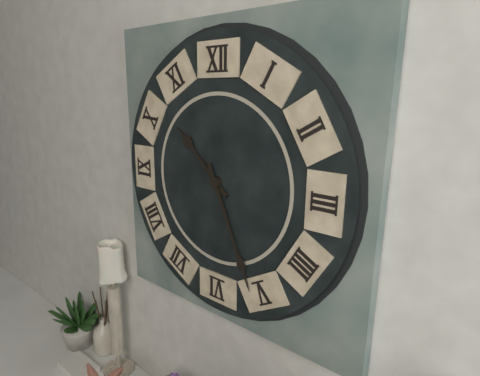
10:26
